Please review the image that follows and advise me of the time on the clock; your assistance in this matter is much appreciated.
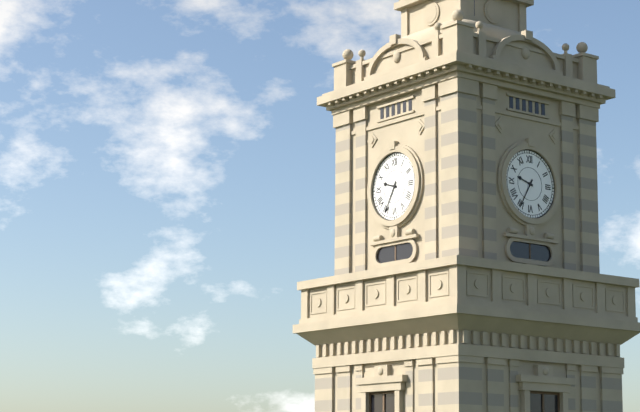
9:35
